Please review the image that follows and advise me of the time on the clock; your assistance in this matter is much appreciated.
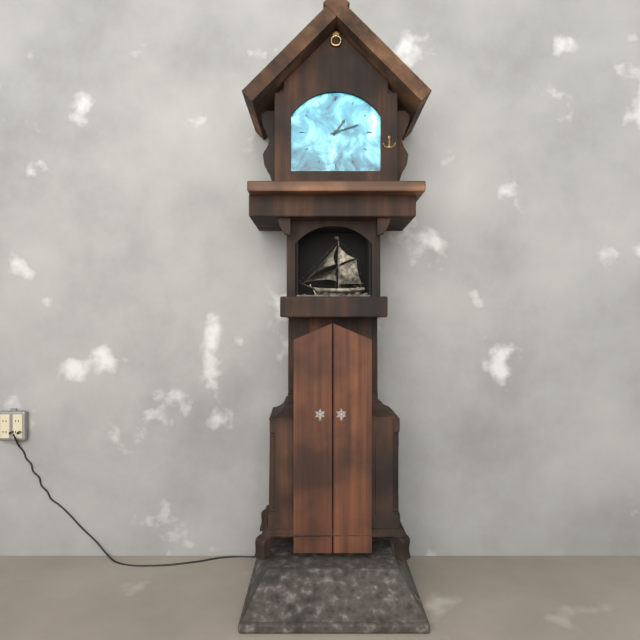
1:12
